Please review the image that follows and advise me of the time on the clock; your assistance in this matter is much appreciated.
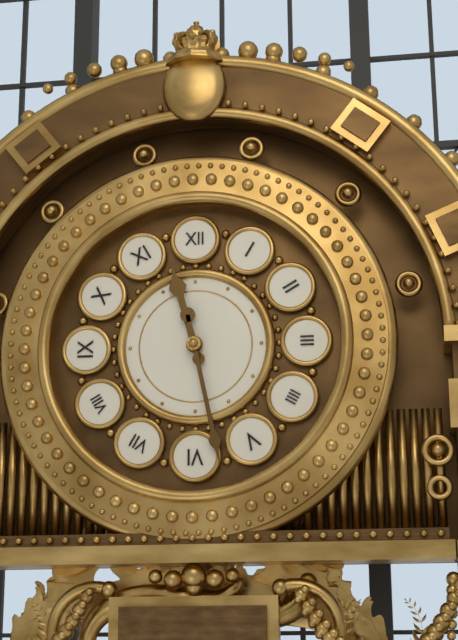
11:28
